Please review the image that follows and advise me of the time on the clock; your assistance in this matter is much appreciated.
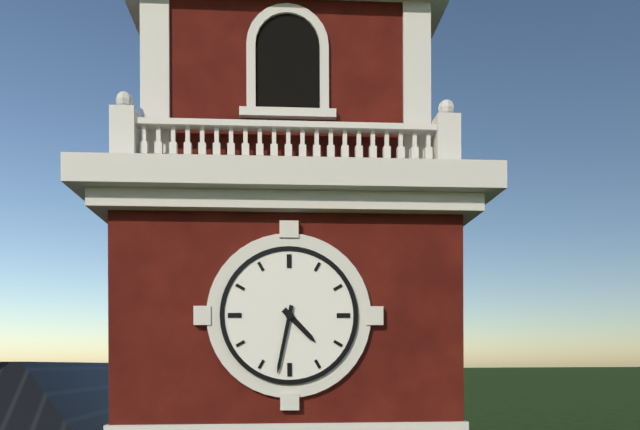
4:32
